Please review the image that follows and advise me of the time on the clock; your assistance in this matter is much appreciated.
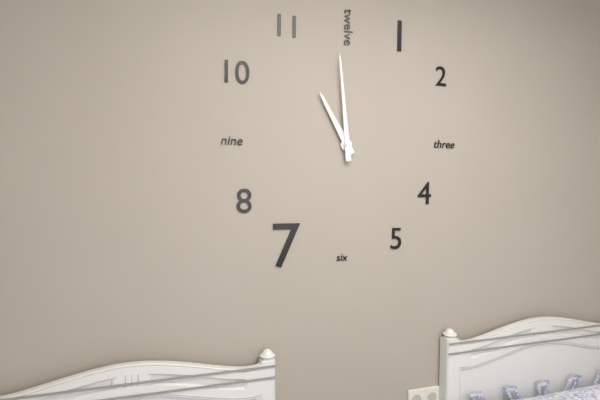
10:59
